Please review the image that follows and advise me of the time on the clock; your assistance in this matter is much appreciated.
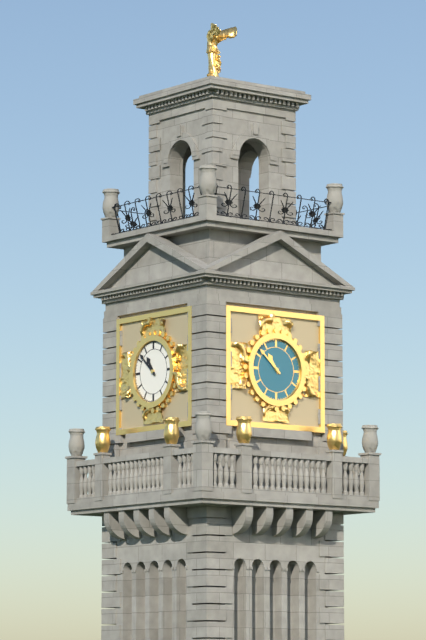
10:52
